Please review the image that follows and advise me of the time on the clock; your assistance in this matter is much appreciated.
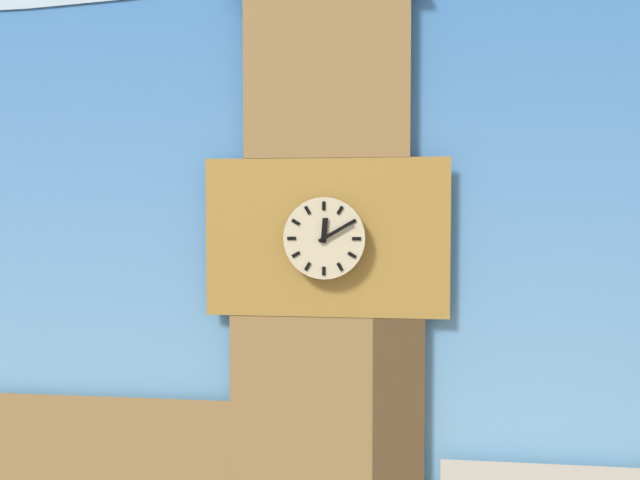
12:10
